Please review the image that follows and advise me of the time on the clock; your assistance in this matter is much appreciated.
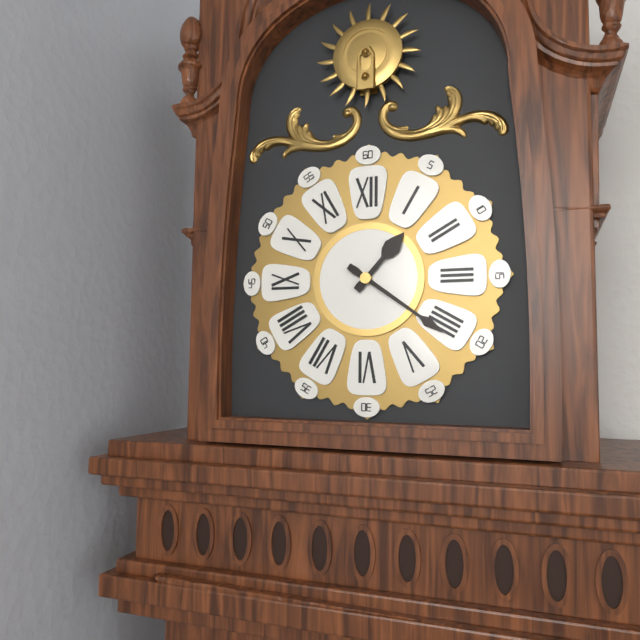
1:21
